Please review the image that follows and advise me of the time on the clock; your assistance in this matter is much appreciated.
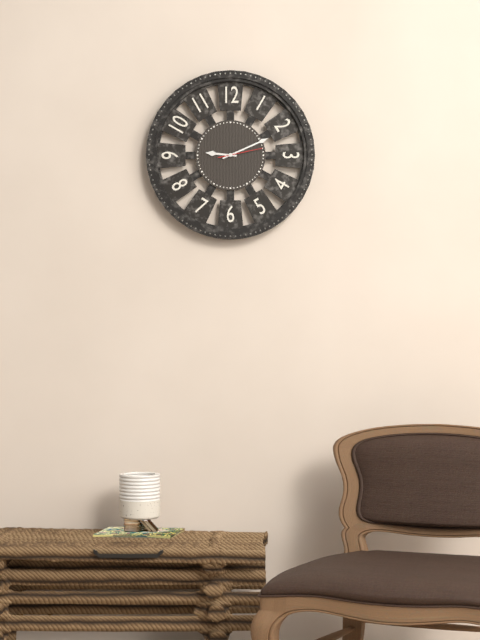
9:11
